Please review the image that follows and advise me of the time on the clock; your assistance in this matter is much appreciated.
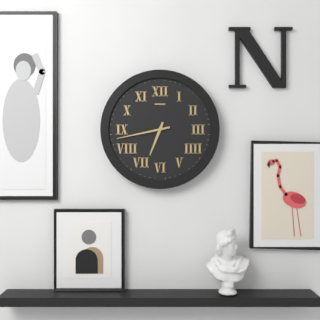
6:43
